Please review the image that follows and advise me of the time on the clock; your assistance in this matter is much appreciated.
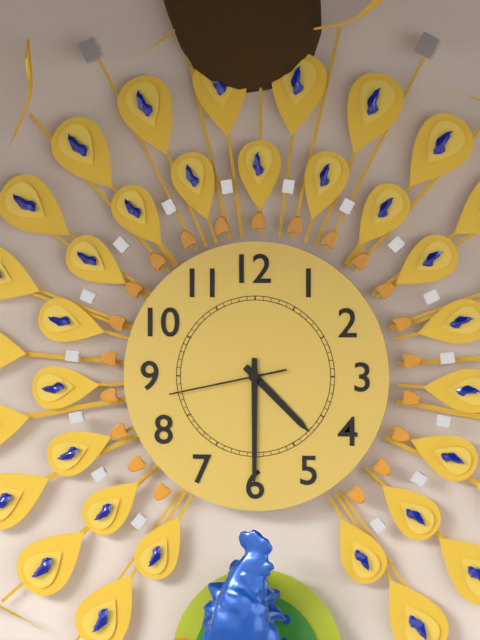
4:30:43
